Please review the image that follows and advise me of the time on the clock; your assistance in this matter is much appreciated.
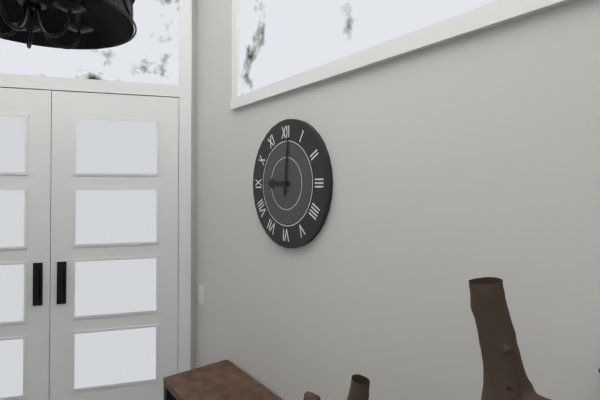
9:01
